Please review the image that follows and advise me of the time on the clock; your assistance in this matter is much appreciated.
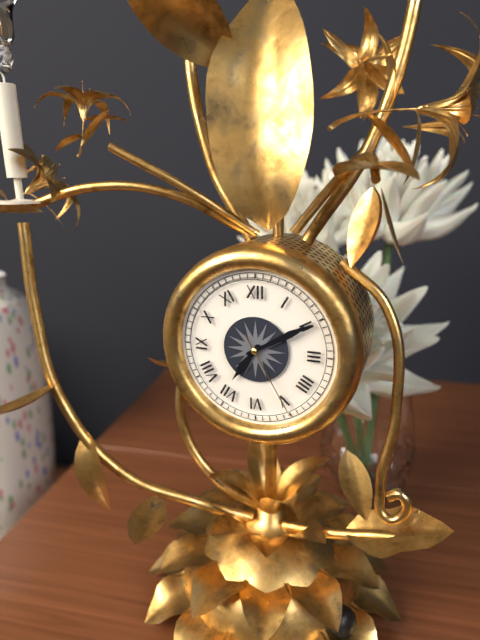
7:10:25
